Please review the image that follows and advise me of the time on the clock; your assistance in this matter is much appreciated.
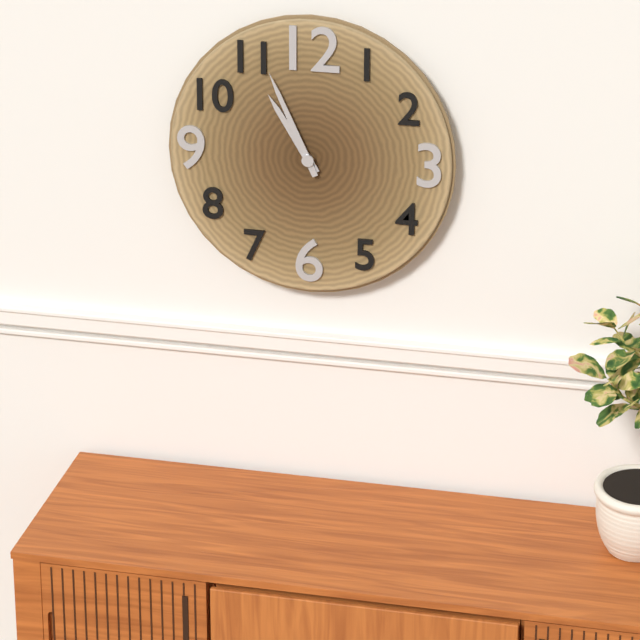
10:56
